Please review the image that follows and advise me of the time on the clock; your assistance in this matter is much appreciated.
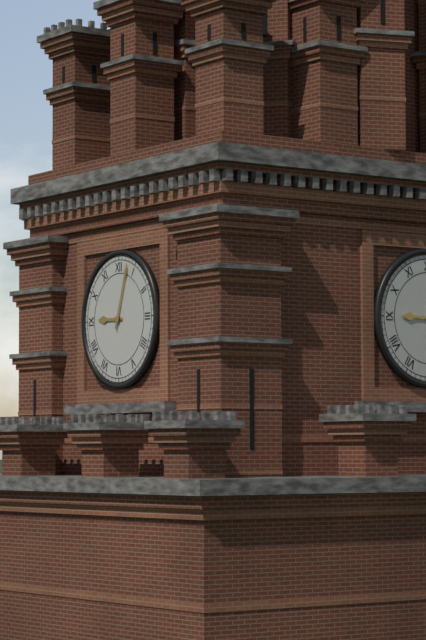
9:03
